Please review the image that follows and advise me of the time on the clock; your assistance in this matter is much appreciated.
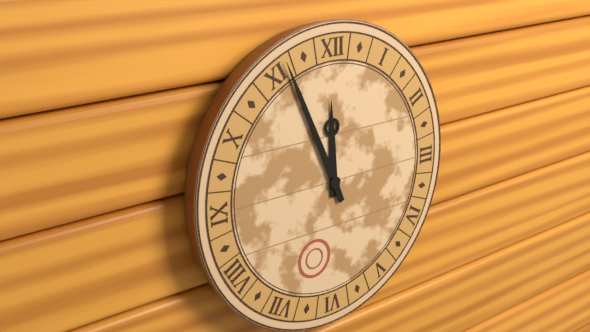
11:56
